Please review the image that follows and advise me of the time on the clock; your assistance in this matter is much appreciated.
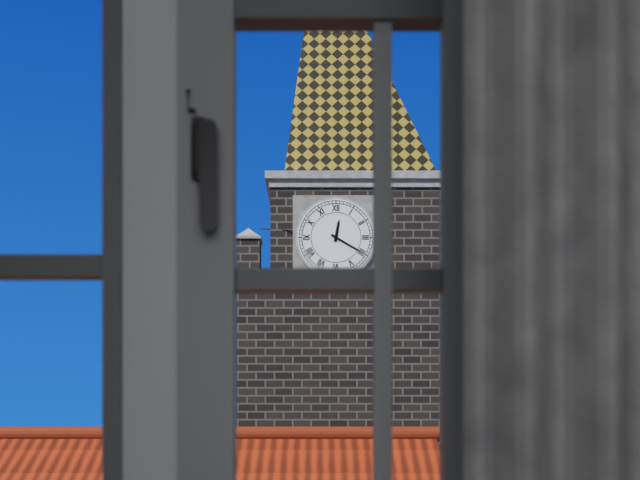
12:20
